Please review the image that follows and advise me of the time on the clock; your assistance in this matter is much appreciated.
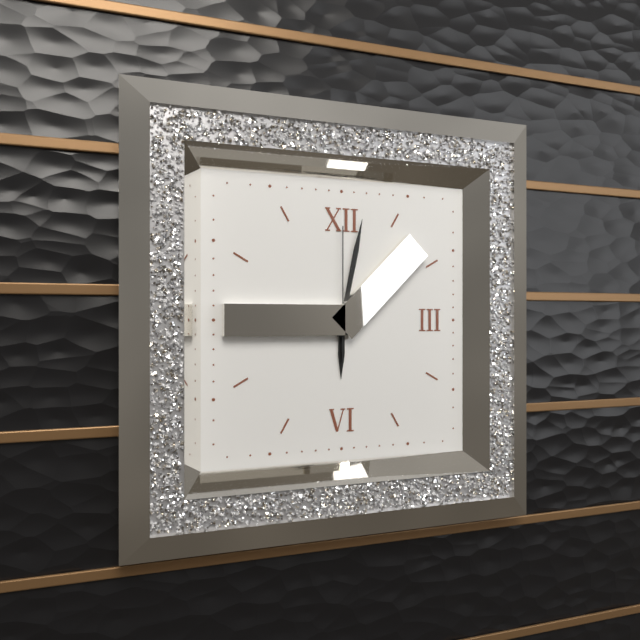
6:02:00
